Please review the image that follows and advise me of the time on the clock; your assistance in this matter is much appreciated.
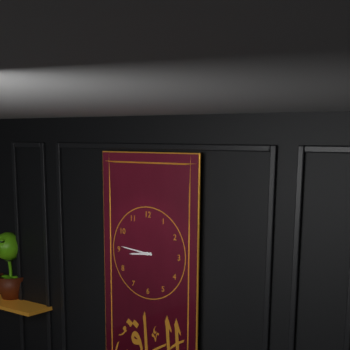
8:46
